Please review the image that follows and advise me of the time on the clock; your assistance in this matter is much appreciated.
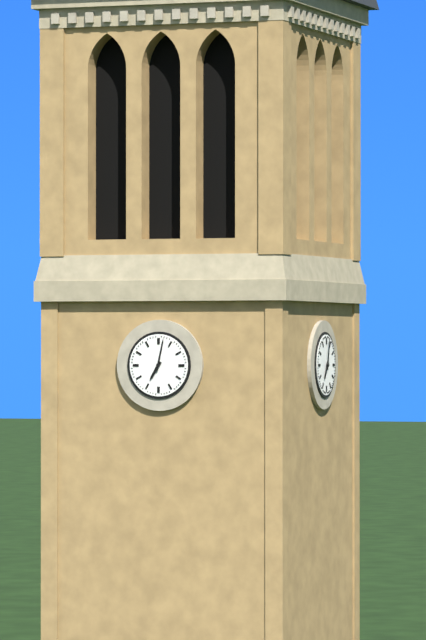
7:02
